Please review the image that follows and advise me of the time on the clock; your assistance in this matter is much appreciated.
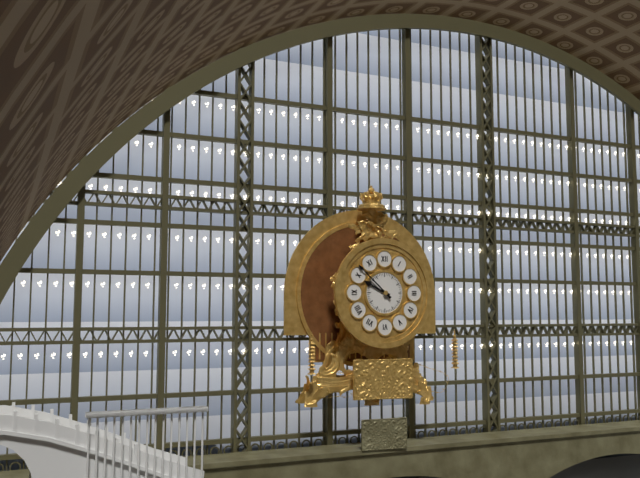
9:52
